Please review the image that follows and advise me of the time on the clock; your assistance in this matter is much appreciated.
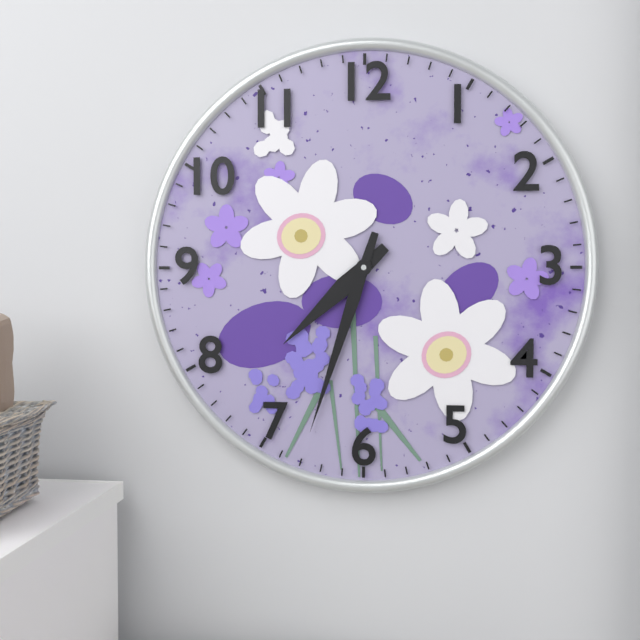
7:33
